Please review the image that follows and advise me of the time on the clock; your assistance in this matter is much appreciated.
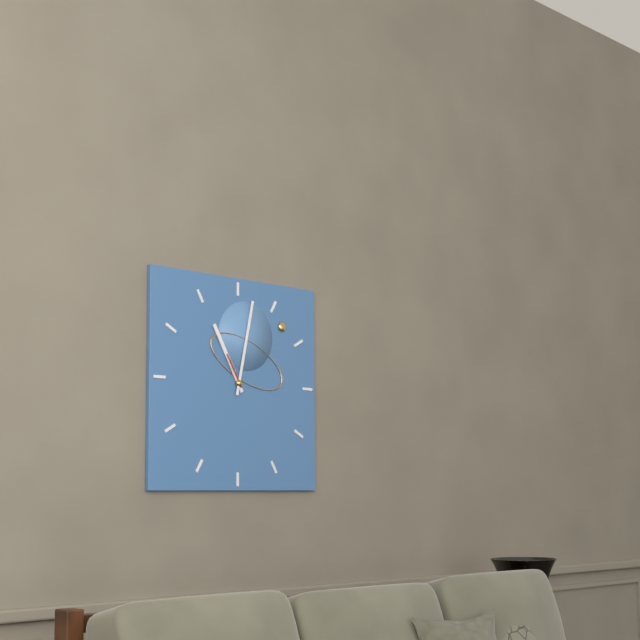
11:02
